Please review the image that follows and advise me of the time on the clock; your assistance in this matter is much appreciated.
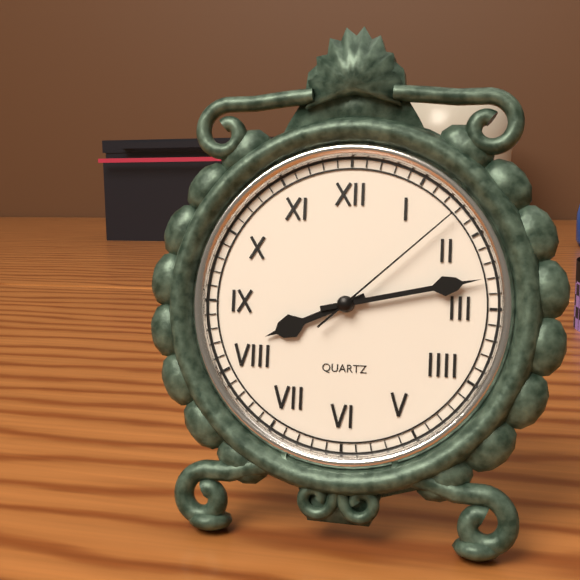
8:13:08
